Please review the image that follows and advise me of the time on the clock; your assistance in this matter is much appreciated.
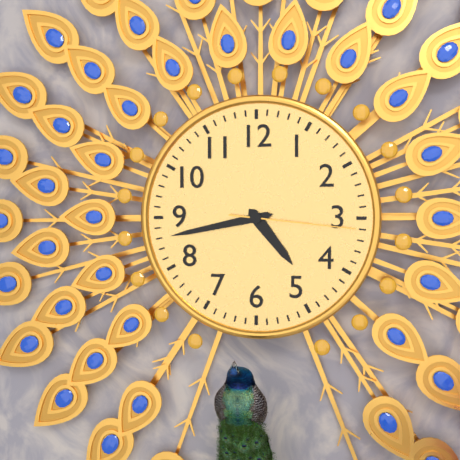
4:43:16
